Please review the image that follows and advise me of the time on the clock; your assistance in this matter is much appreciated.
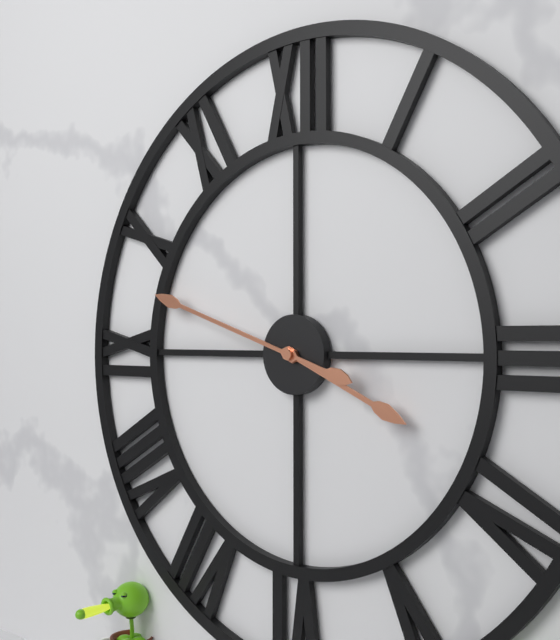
3:48
